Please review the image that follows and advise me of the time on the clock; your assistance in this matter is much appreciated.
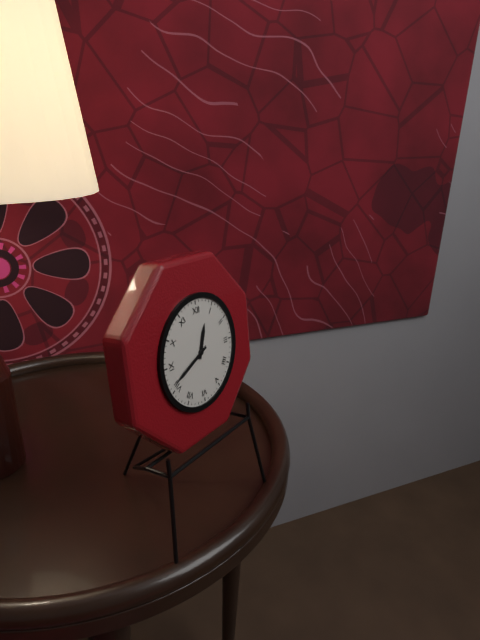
12:41
